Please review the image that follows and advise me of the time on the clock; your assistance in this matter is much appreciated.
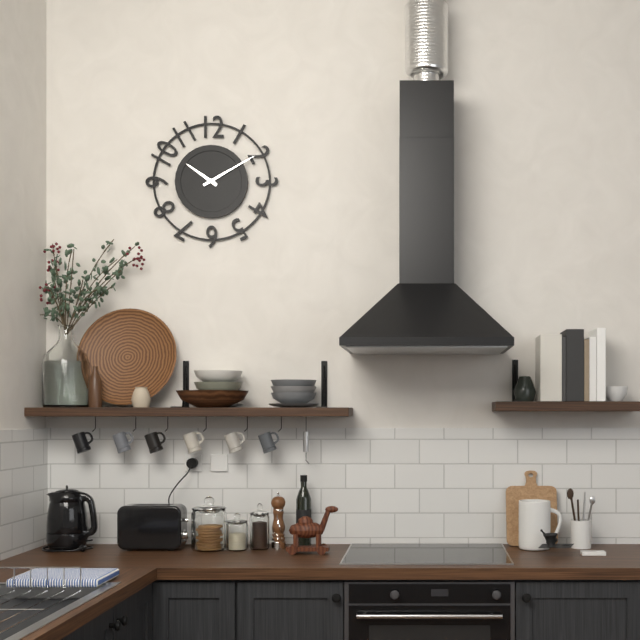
10:10
